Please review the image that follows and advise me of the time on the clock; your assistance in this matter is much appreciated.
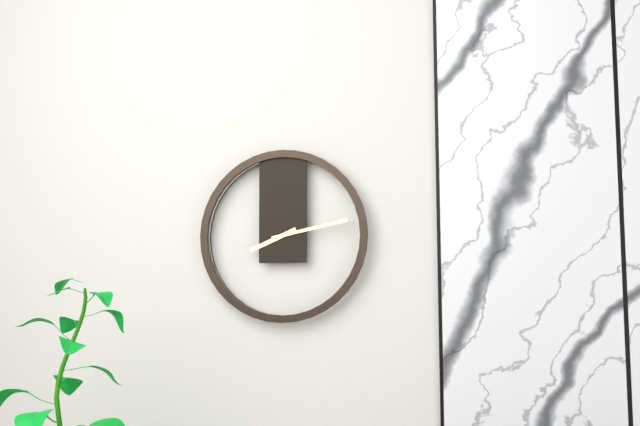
8:13
